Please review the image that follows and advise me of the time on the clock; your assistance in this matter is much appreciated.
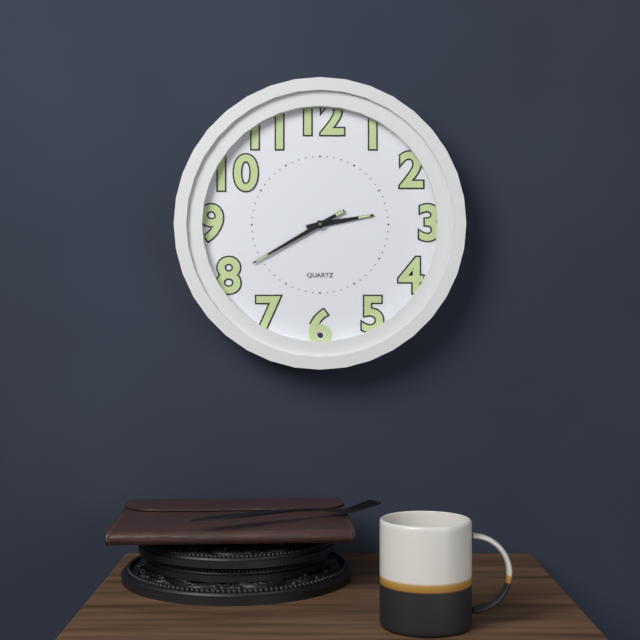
2:40
